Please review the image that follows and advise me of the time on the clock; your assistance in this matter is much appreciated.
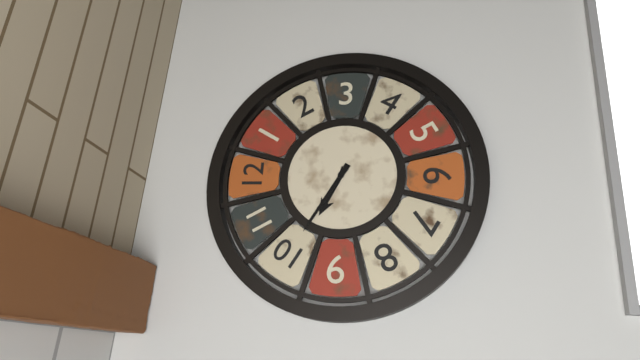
9:50
